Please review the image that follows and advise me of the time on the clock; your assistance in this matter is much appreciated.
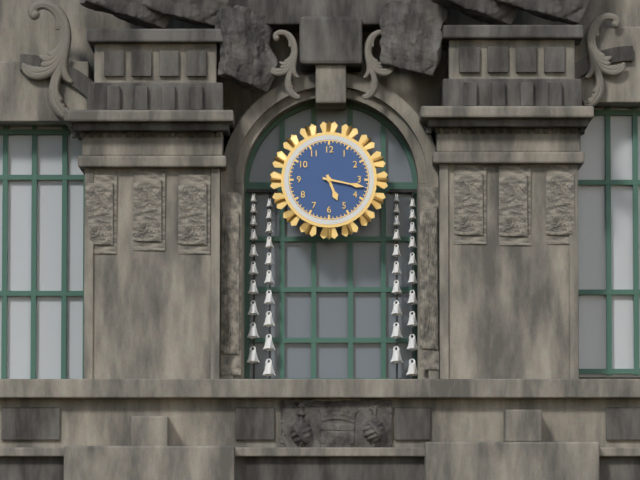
5:17
